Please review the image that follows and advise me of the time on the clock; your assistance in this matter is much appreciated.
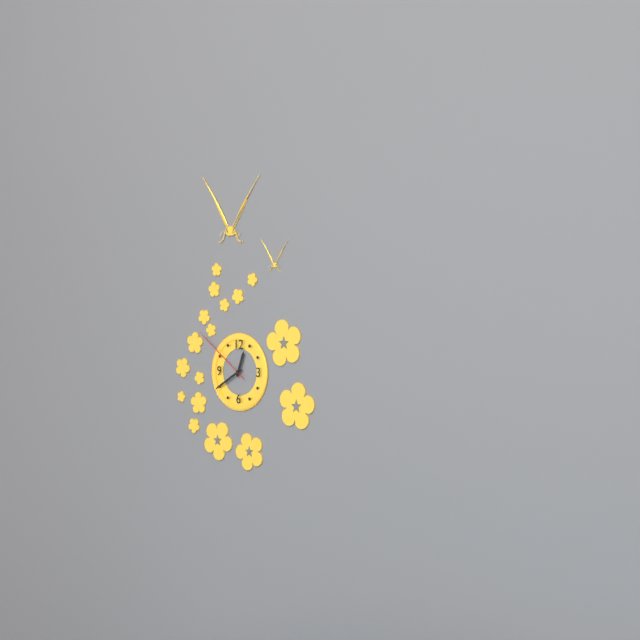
12:40:51
